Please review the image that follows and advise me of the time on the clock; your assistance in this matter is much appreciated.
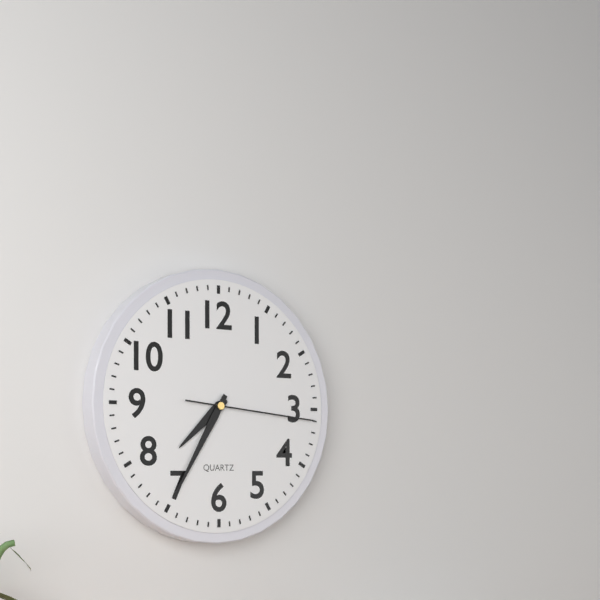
7:35:16
